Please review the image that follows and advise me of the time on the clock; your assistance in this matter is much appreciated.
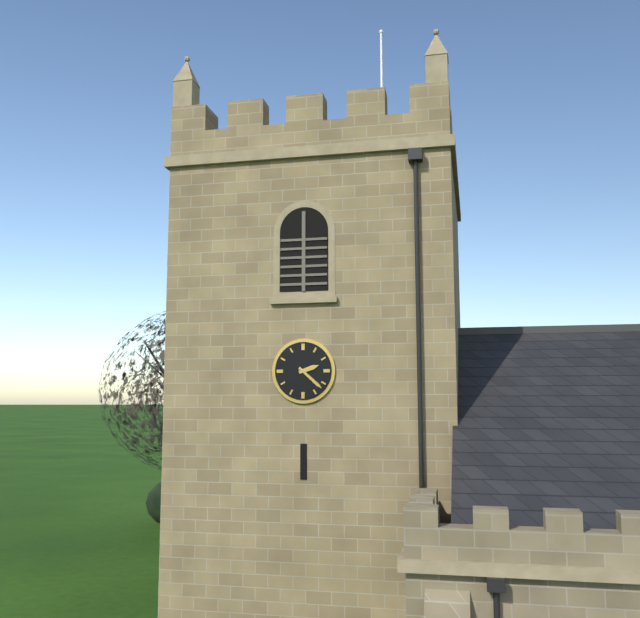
2:22
